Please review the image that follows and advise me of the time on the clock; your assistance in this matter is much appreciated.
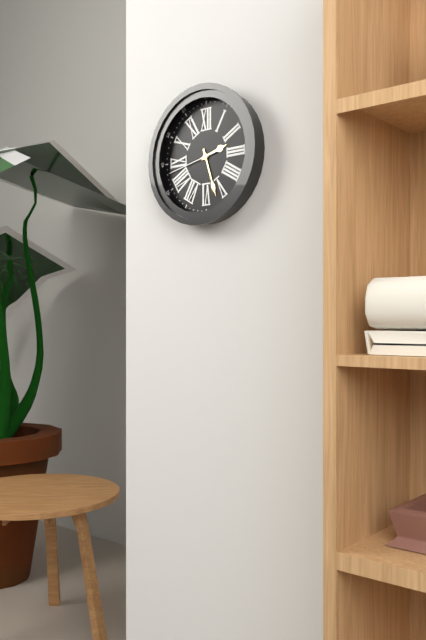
2:27:43
